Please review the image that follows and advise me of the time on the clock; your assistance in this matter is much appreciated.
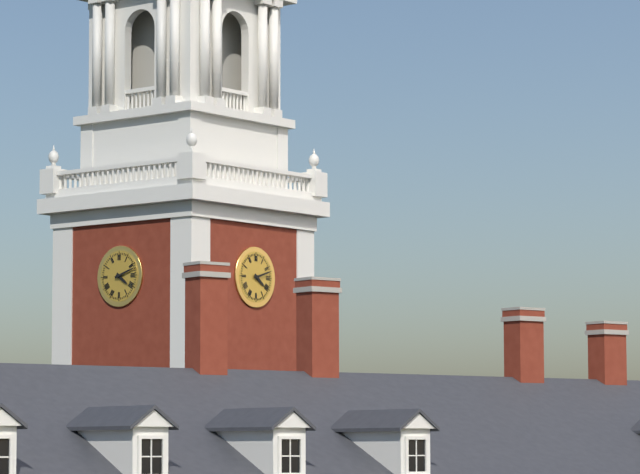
4:12
